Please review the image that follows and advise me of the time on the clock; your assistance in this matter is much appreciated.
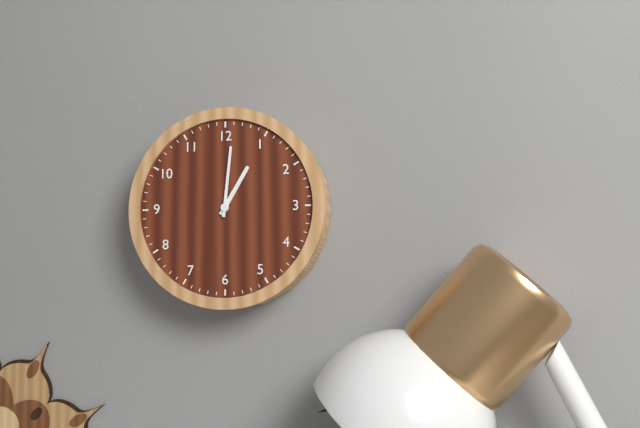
1:01
